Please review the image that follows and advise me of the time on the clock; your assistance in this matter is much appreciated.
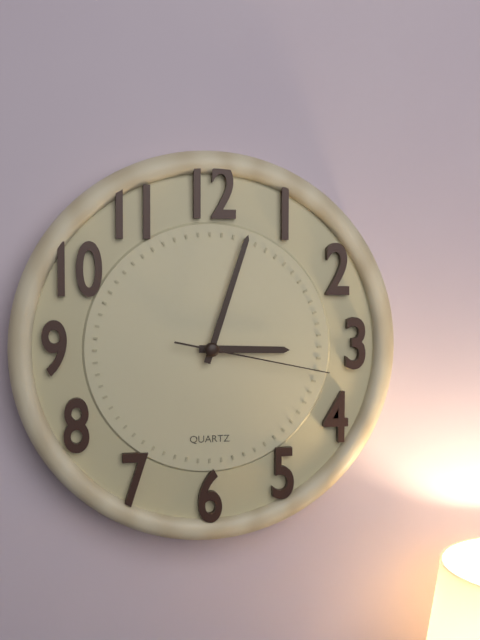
3:03:17
